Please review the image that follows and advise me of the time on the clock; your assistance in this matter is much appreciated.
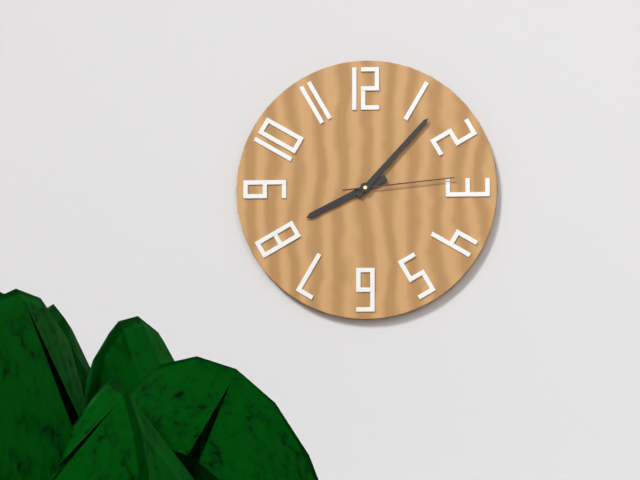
8:07:14
